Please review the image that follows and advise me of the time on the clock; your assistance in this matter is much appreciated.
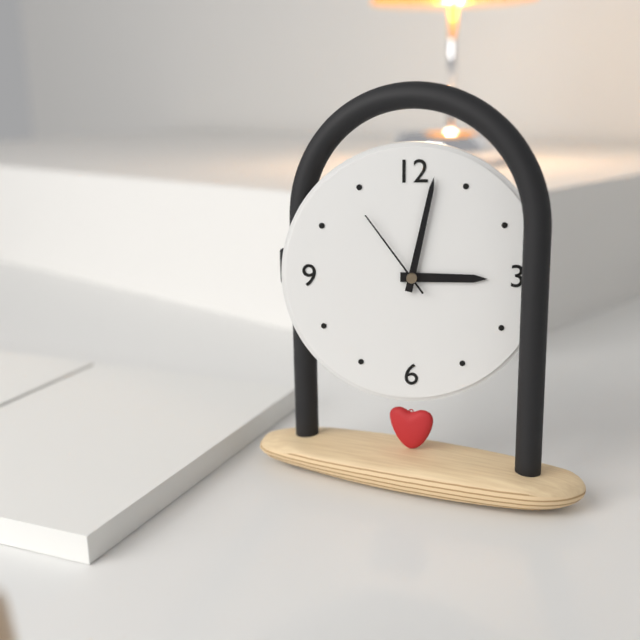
3:02:54
